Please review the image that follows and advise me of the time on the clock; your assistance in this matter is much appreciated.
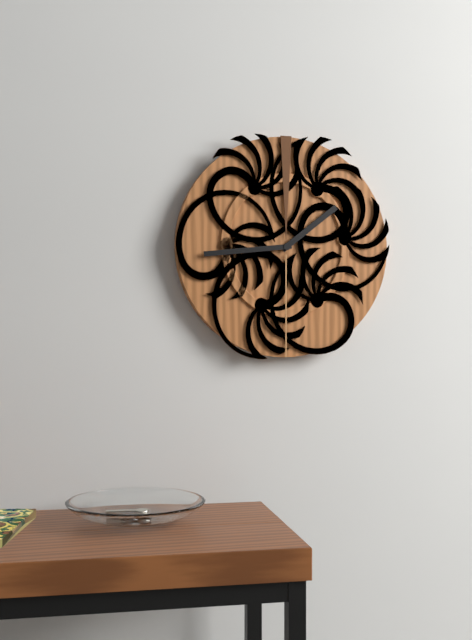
1:44
